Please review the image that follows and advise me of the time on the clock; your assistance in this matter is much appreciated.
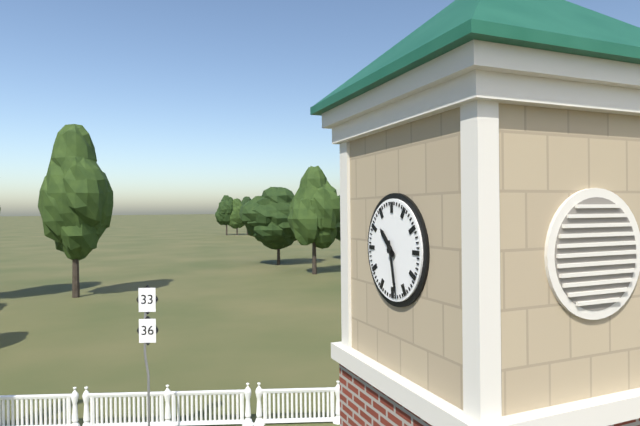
10:28
